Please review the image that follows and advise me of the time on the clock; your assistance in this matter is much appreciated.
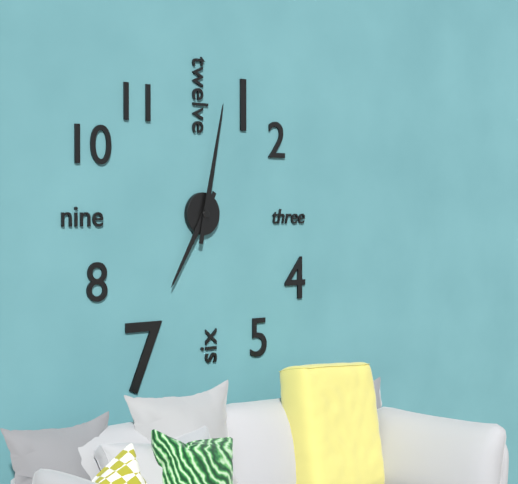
7:02
